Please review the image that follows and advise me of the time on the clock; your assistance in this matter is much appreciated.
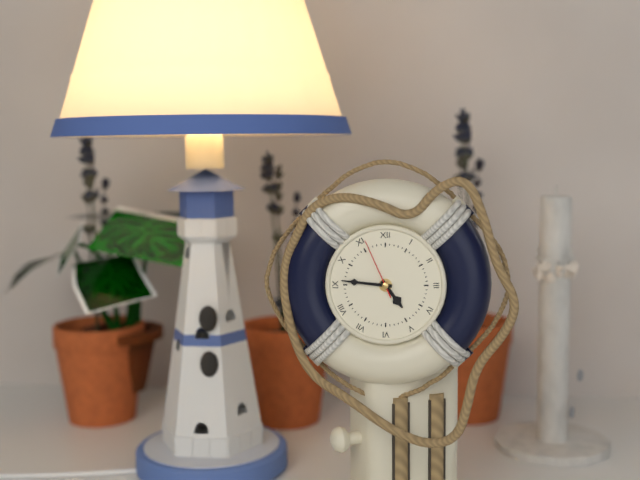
4:46:56
